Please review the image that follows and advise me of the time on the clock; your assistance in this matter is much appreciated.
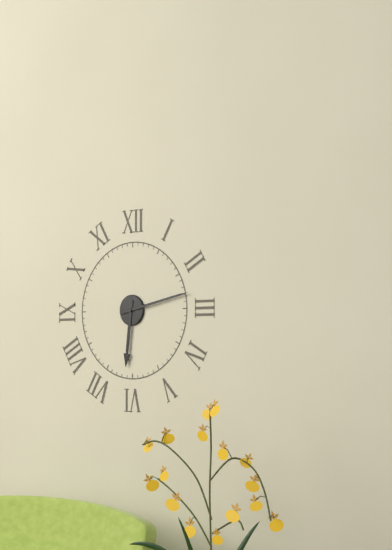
6:13
